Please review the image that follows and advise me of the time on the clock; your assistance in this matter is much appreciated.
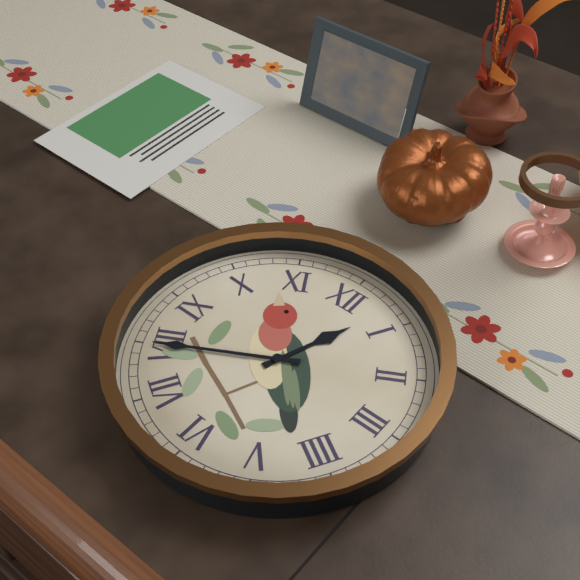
12:40
